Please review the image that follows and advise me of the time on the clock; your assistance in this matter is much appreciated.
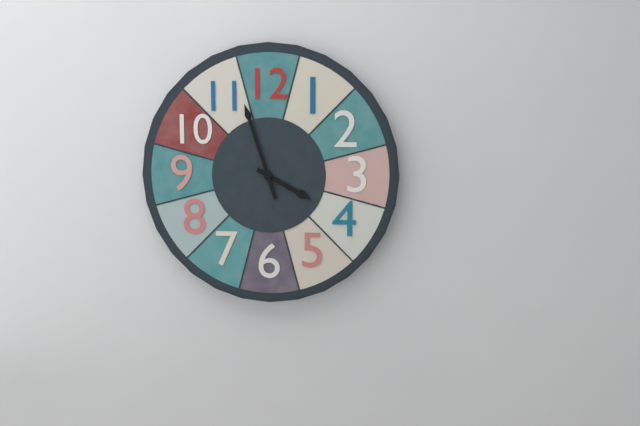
3:57
